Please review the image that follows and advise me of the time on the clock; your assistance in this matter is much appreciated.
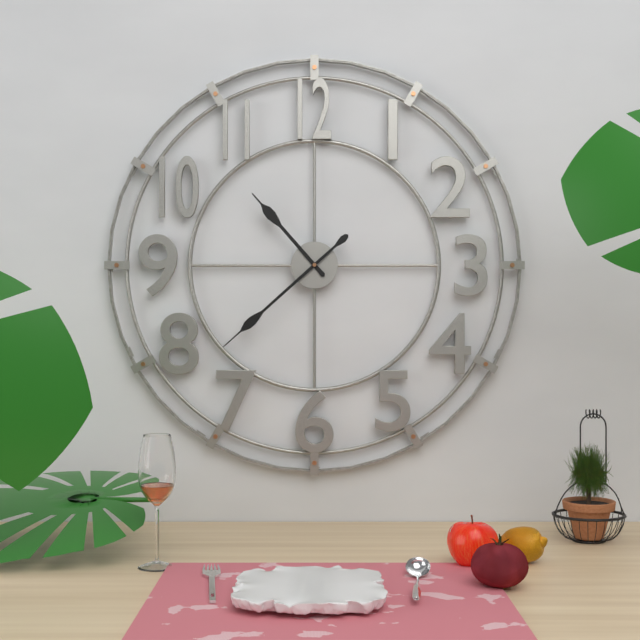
10:38
